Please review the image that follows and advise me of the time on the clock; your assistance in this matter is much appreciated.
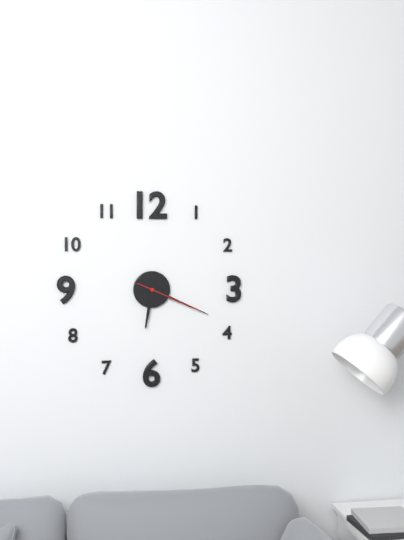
6:19:19
